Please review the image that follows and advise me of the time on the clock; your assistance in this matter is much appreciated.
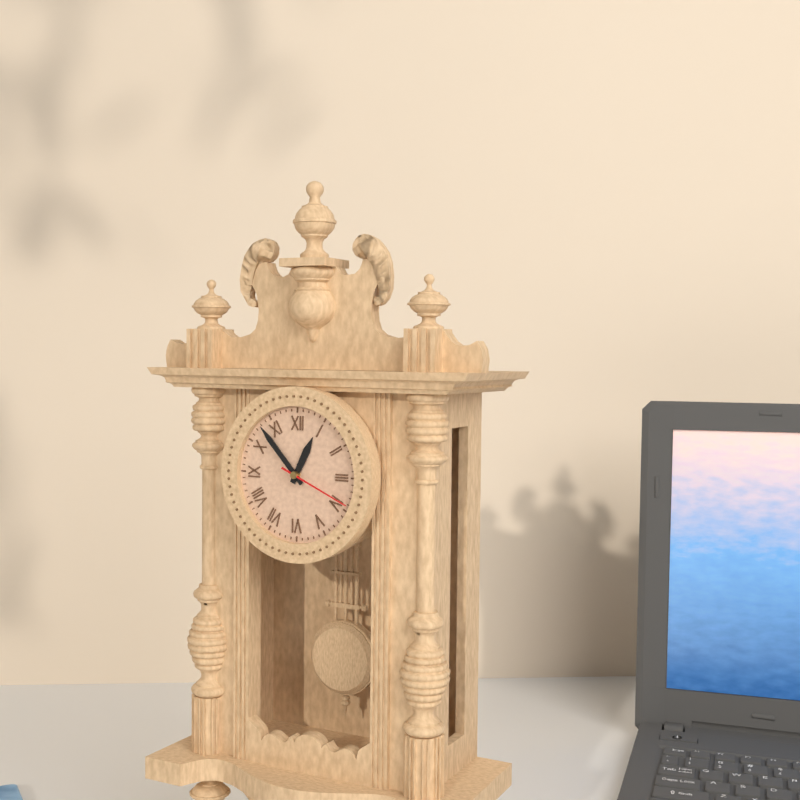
12:53:19
